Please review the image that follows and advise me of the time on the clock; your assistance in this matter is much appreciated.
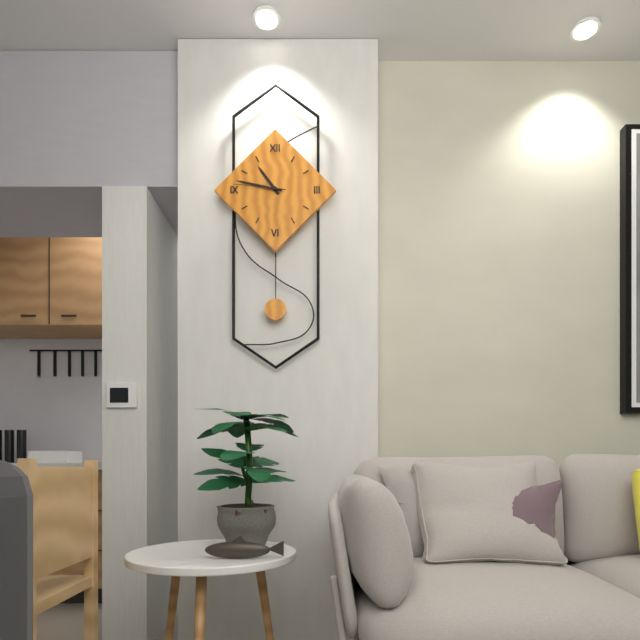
10:47:46
